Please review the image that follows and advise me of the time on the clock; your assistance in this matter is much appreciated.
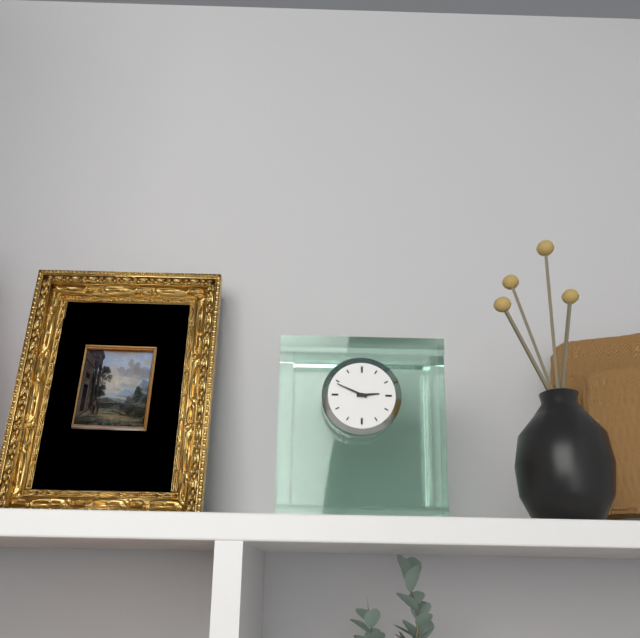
2:49
